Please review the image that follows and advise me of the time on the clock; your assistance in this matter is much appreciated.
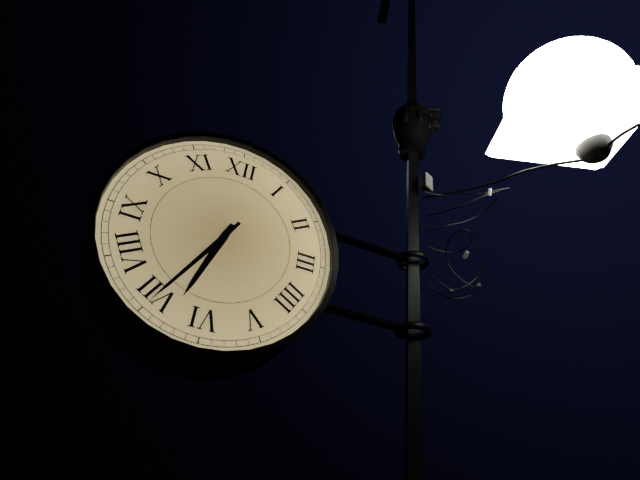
6:35
